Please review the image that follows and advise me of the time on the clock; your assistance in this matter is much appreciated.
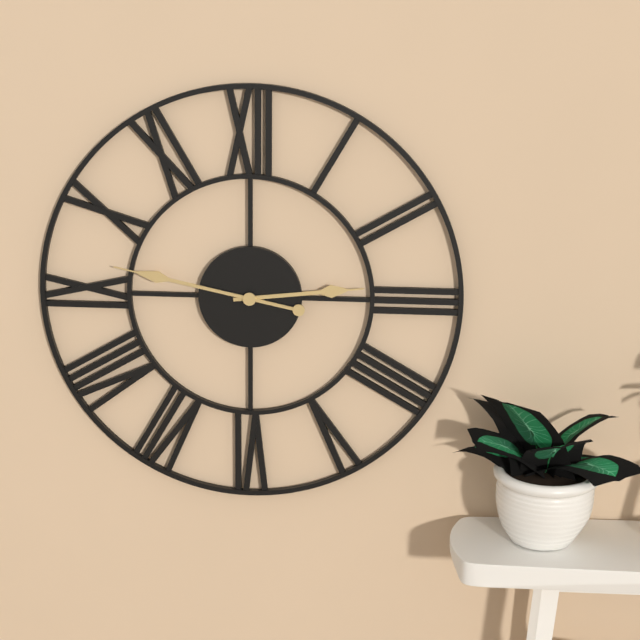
2:47
